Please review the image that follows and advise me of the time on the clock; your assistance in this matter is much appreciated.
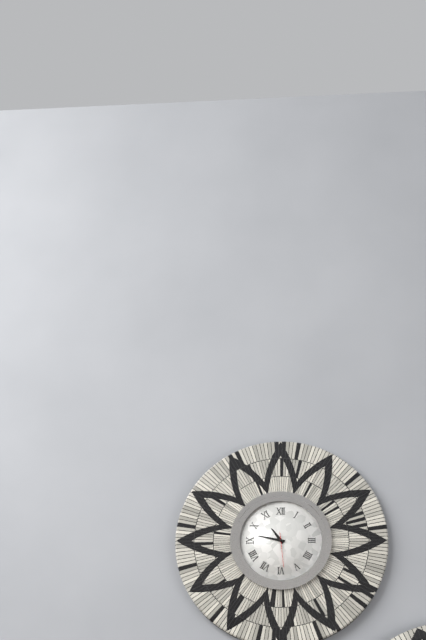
10:47
